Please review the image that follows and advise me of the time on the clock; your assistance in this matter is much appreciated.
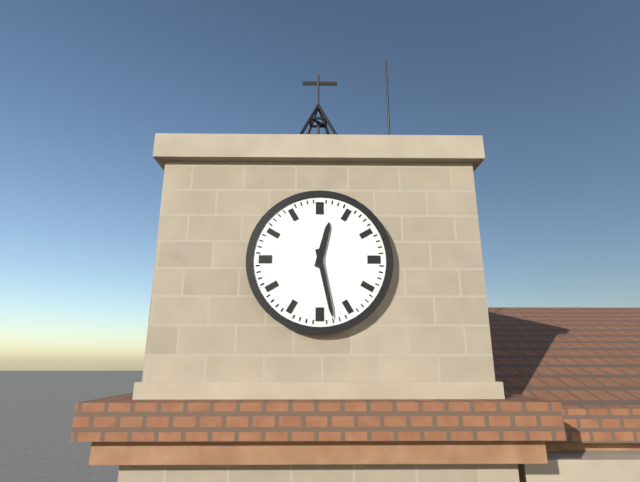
12:28
